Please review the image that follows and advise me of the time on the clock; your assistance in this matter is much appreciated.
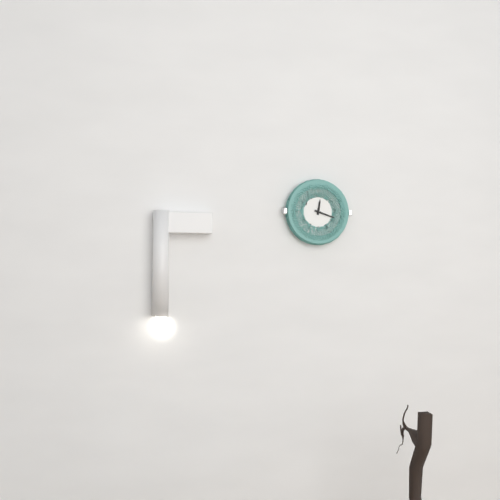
12:18
